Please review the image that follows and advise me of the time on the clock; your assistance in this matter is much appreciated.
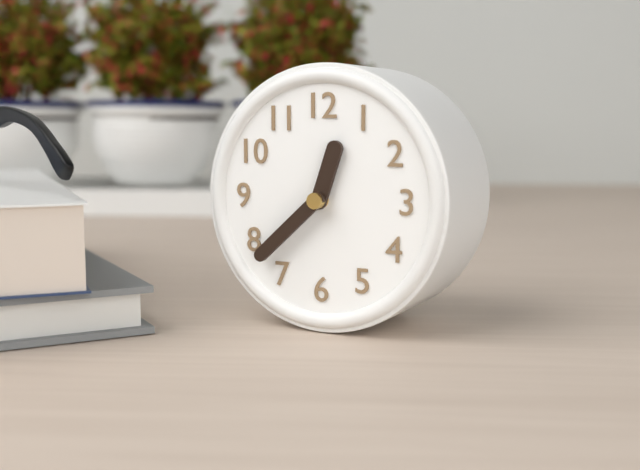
12:38
